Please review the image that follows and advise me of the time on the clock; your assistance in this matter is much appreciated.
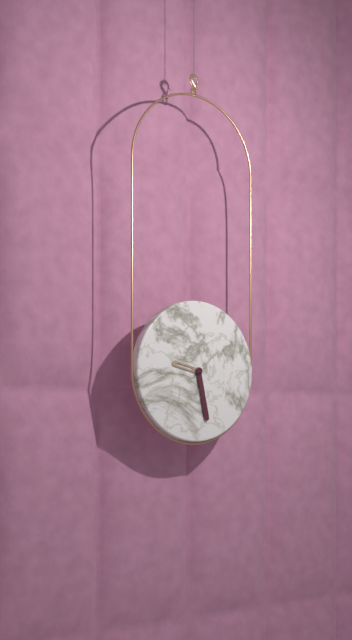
9:28
